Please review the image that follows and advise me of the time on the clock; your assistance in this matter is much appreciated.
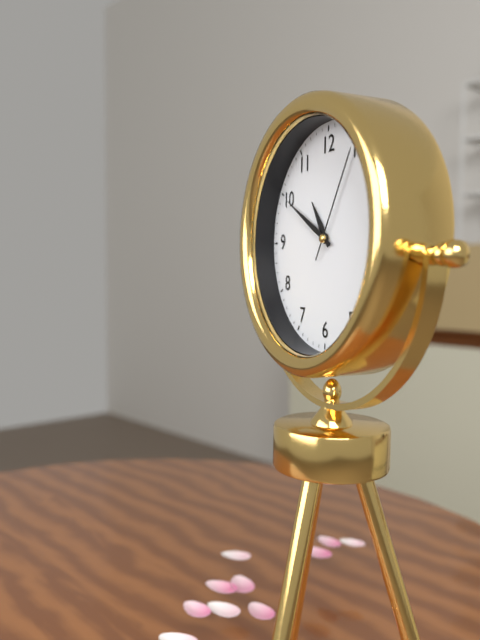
10:50:05
